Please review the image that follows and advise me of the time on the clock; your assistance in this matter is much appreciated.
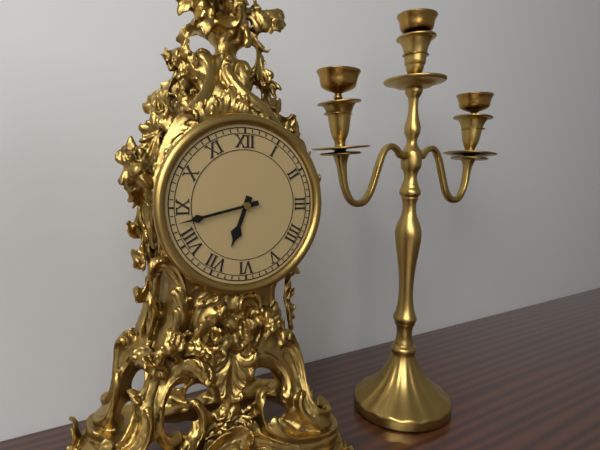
6:43
